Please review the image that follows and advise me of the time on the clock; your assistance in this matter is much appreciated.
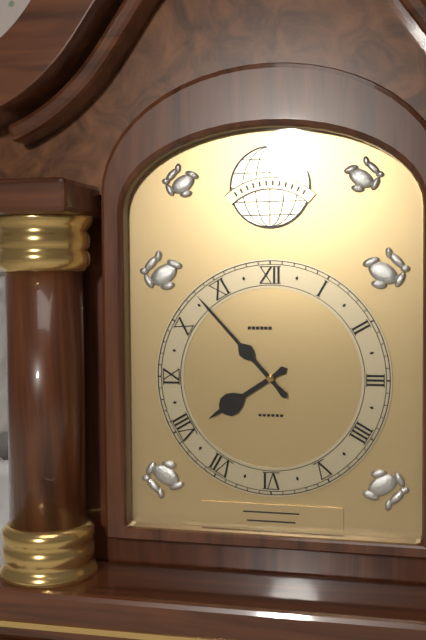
7:53
